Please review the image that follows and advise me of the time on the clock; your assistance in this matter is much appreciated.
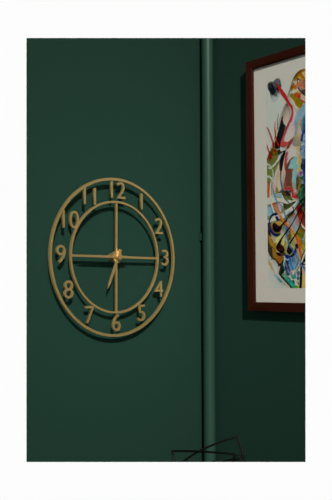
6:45
